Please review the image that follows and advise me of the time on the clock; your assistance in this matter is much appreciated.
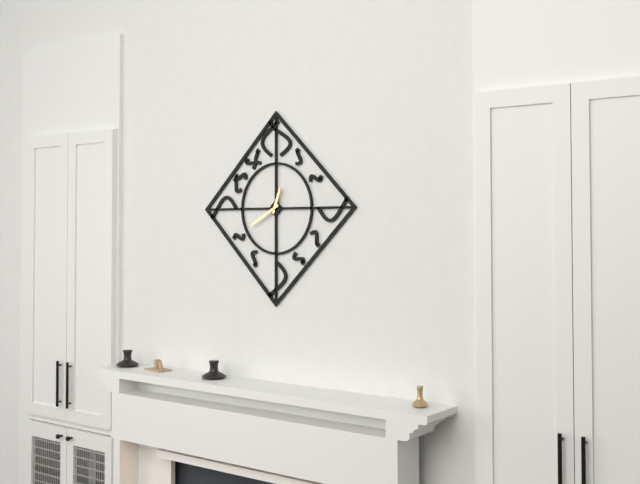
12:40
